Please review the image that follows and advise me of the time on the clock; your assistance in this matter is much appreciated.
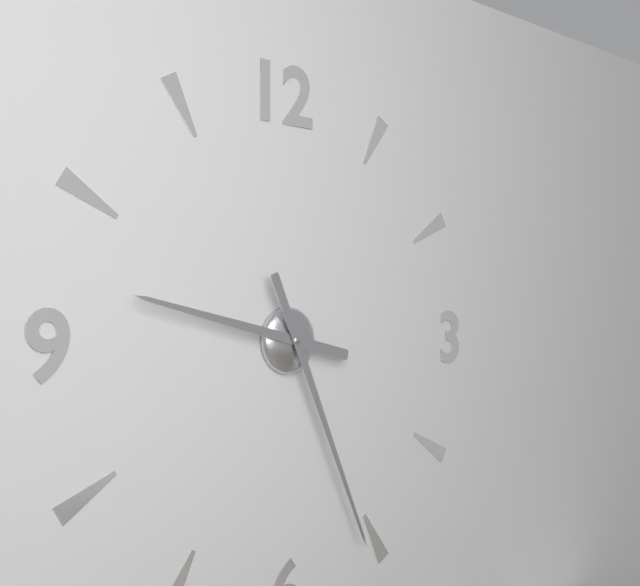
9:26
